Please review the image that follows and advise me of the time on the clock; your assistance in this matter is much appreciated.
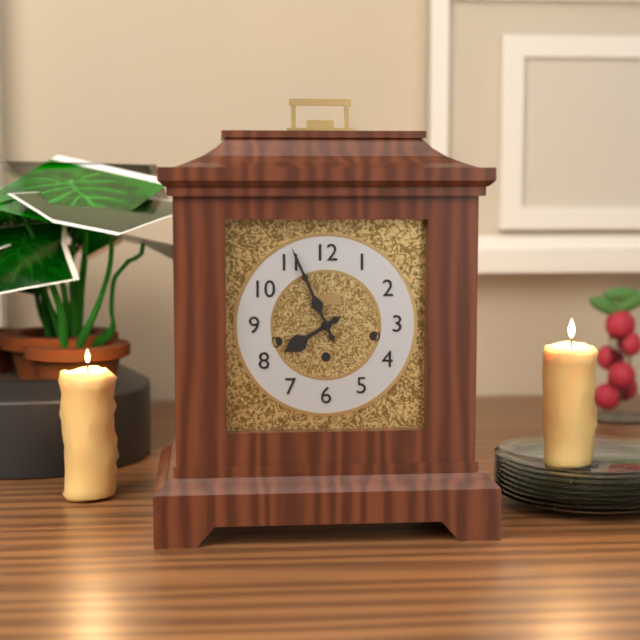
7:56
